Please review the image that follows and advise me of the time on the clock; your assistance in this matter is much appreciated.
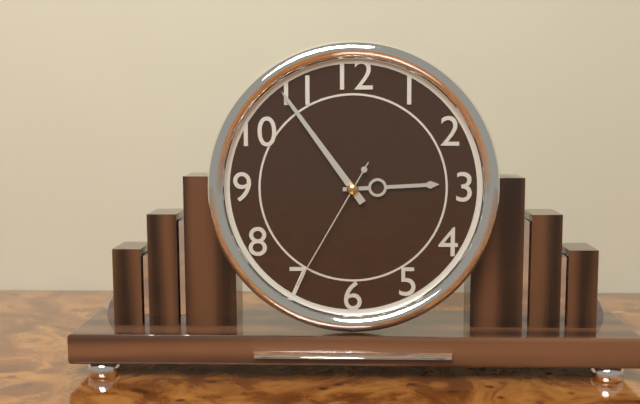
2:54:35
